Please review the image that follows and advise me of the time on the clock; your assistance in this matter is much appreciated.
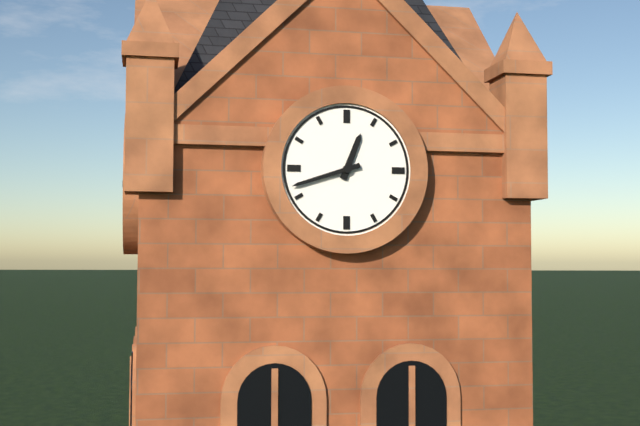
12:42
